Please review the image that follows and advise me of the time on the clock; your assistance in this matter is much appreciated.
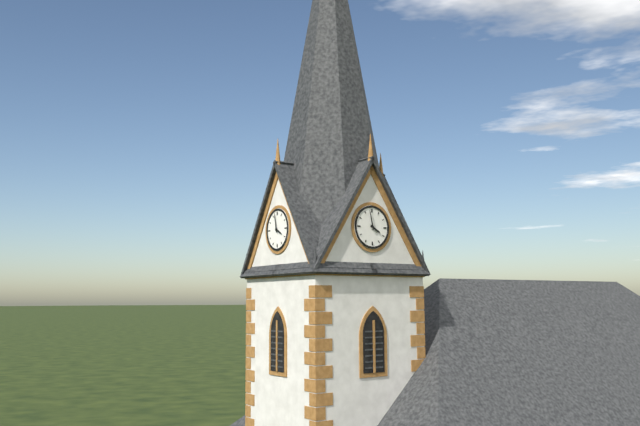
3:58
